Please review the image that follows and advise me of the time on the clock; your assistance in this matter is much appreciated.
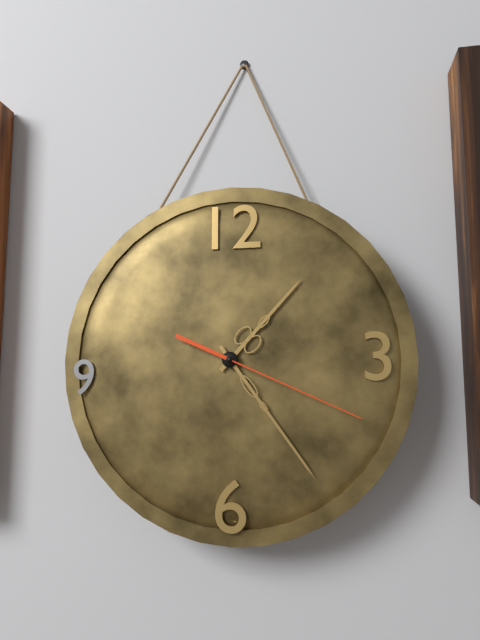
1:24:19
